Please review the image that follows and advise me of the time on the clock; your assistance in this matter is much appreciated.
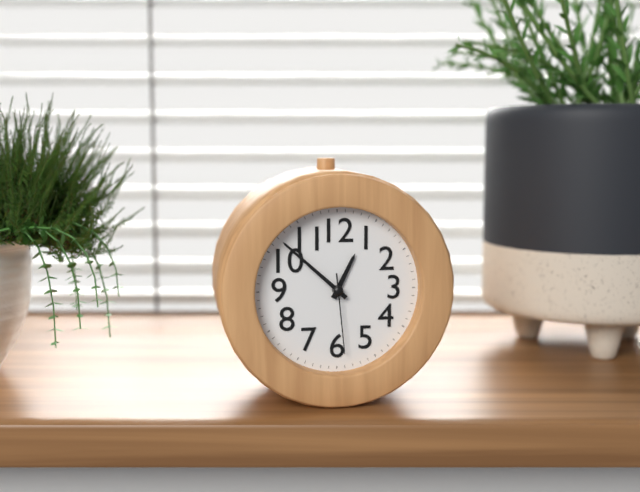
12:52:29
